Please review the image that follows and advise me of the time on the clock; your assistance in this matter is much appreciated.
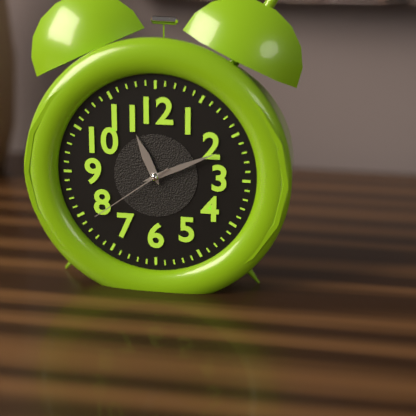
11:11:39
